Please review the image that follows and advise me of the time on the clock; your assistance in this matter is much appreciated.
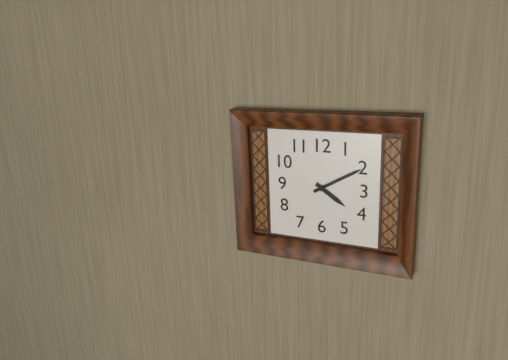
4:10
